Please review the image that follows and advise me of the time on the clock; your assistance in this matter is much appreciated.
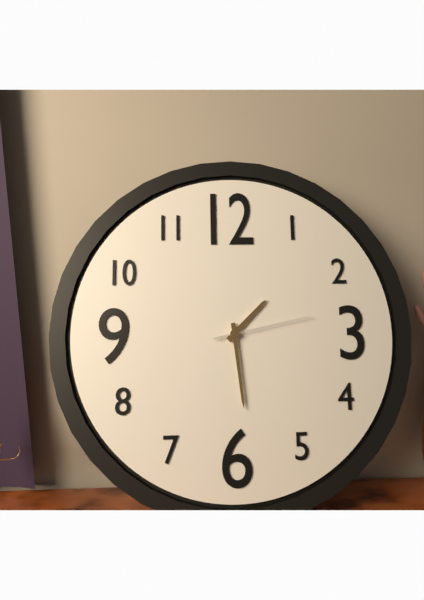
1:29:13
